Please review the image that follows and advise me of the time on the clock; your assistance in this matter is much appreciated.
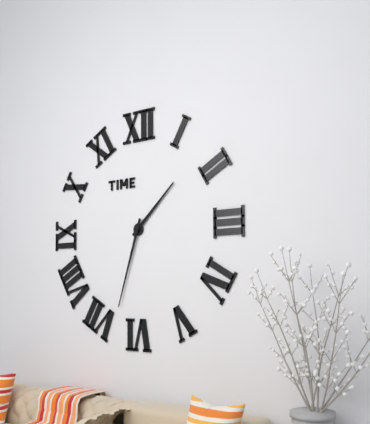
1:33
